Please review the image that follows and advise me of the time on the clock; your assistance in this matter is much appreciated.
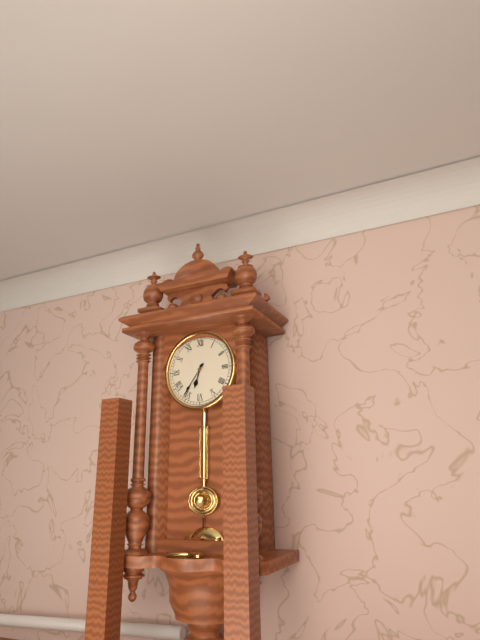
6:36
